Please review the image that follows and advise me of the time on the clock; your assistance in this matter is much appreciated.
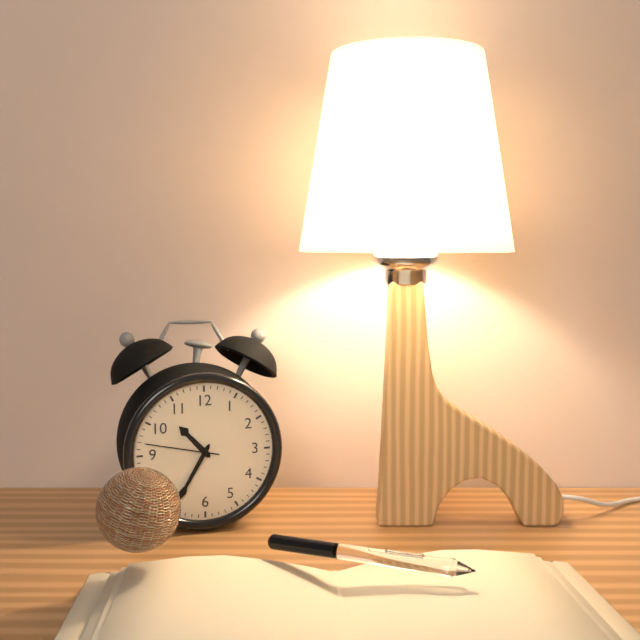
10:35:47
